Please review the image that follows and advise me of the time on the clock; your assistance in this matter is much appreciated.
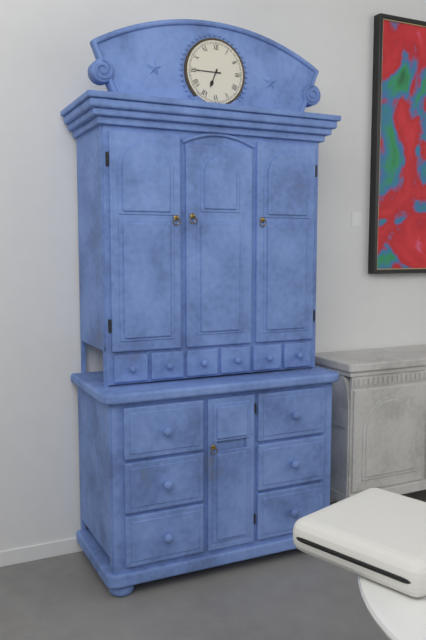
6:45
